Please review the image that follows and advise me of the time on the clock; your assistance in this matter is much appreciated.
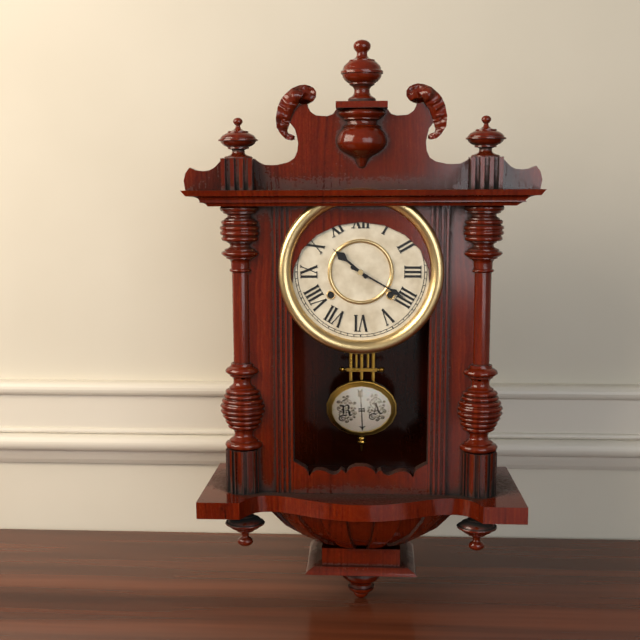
10:20
